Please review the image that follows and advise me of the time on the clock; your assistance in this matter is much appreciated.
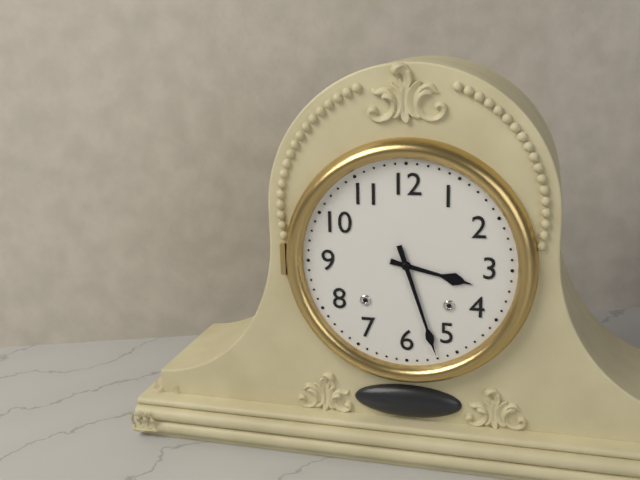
3:27
